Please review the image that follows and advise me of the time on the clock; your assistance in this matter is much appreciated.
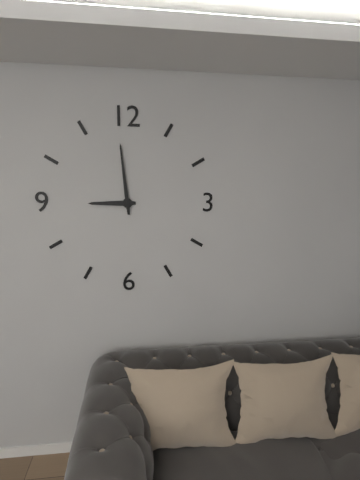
8:59
